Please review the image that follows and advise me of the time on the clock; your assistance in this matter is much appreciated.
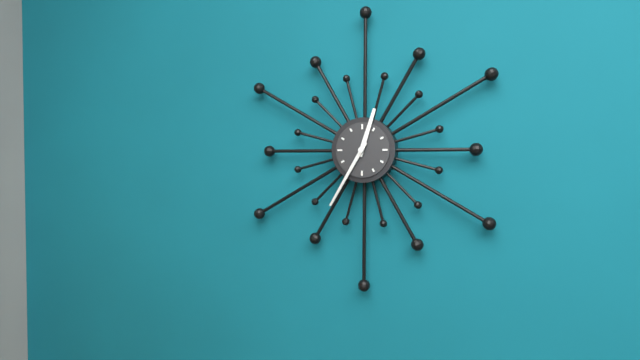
12:35
